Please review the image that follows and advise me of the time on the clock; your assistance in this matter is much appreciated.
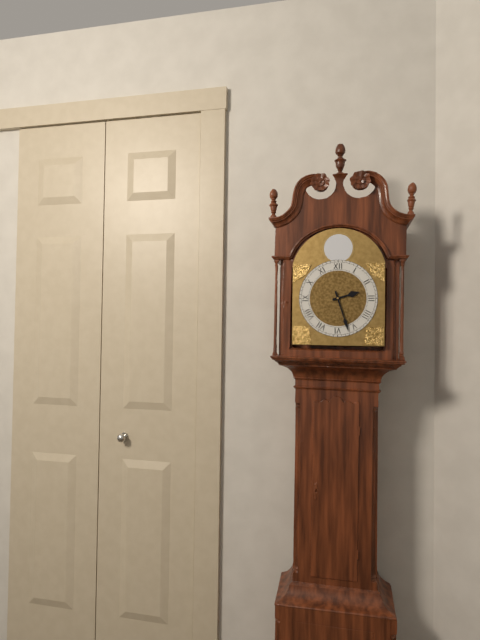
2:27
